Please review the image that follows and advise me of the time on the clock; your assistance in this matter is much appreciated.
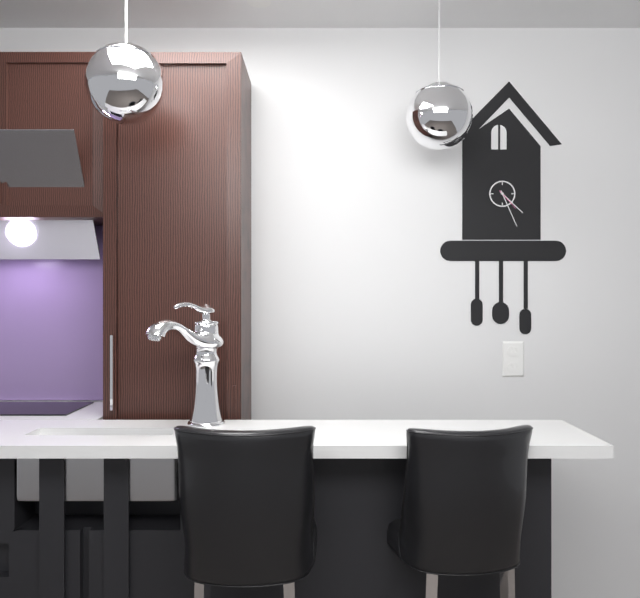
4:26
